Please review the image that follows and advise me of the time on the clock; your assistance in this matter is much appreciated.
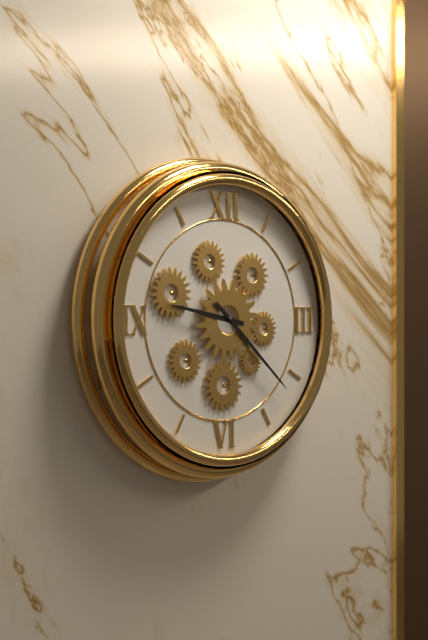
9:22
